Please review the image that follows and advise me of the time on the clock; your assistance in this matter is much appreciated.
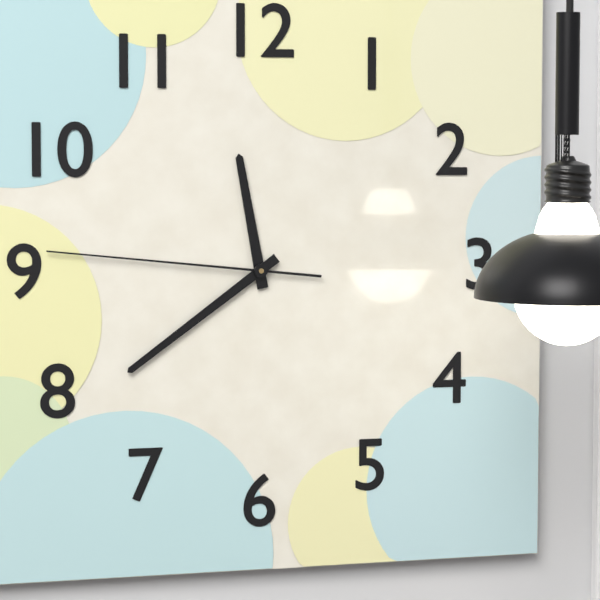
11:39:46
